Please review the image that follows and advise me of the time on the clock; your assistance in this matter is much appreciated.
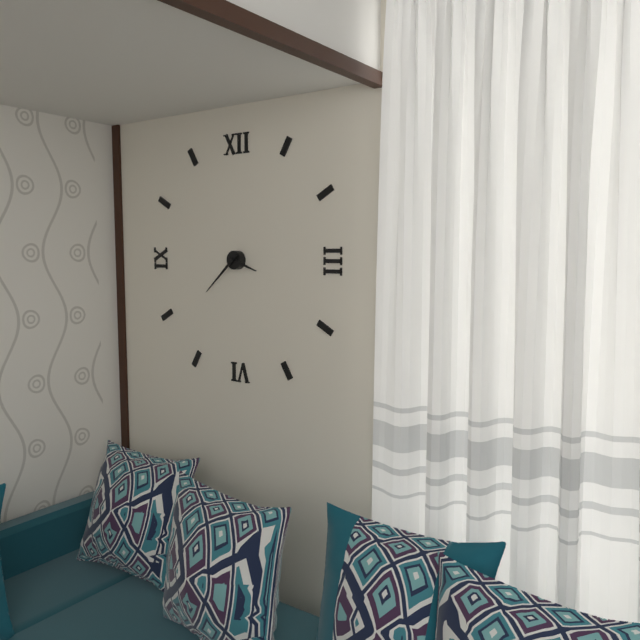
3:38
